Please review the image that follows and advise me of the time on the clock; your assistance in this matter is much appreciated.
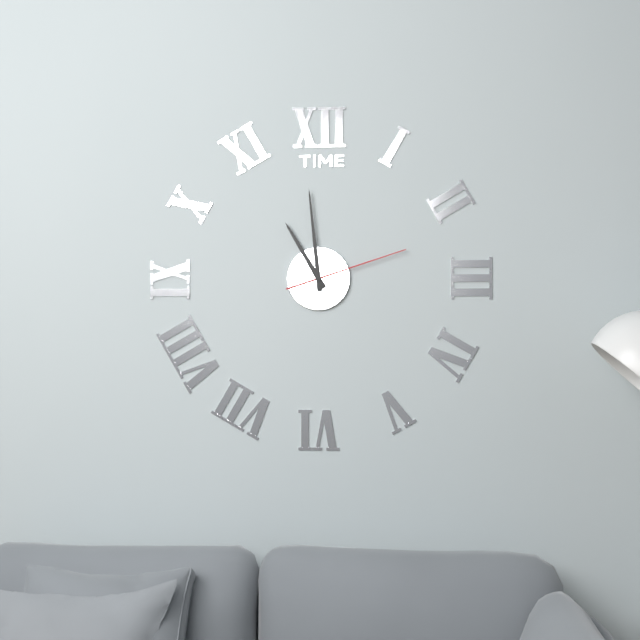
10:59:12
